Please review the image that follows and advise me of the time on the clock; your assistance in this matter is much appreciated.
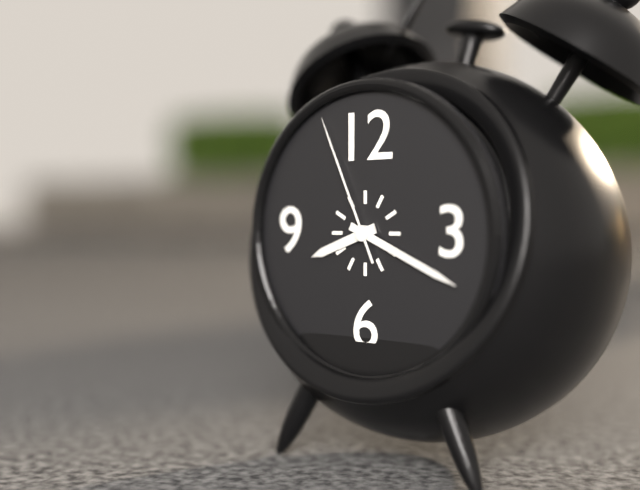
8:19:56
